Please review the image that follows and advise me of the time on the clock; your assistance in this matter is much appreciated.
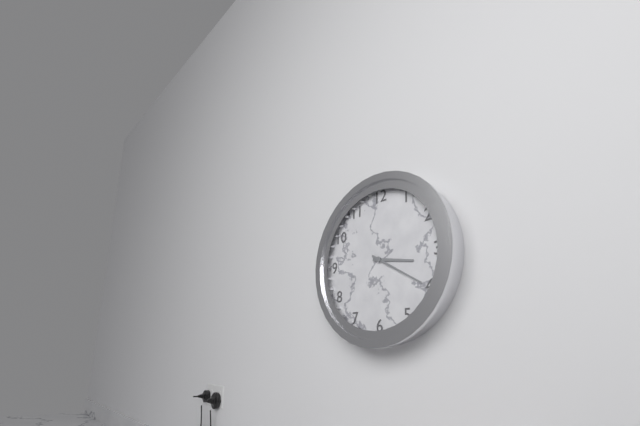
3:20
